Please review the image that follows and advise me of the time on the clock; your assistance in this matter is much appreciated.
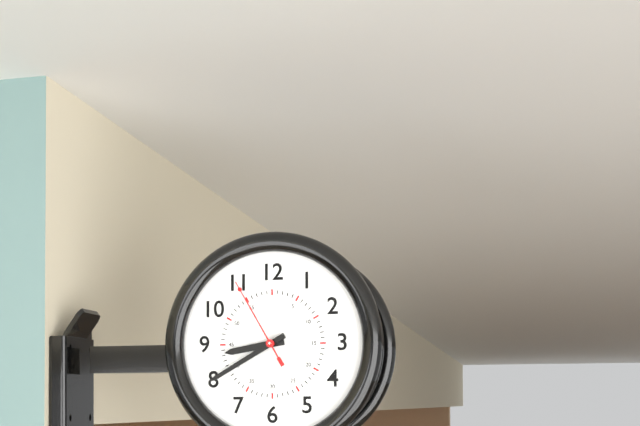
8:40:55
